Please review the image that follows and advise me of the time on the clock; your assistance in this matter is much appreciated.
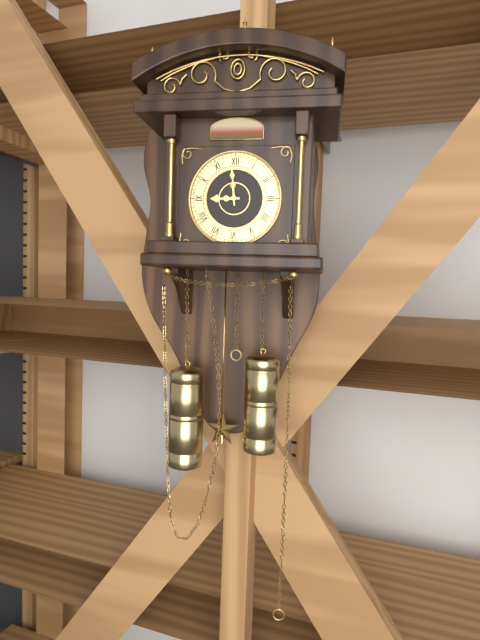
8:59
